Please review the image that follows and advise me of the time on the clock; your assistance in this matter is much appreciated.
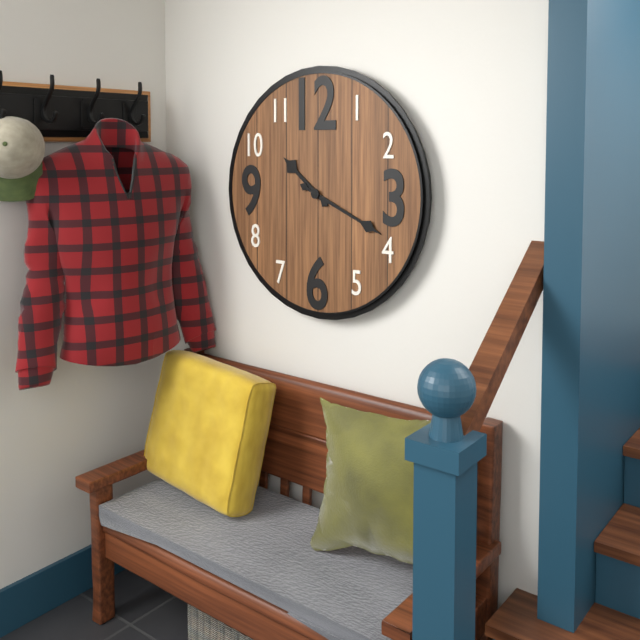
10:19
